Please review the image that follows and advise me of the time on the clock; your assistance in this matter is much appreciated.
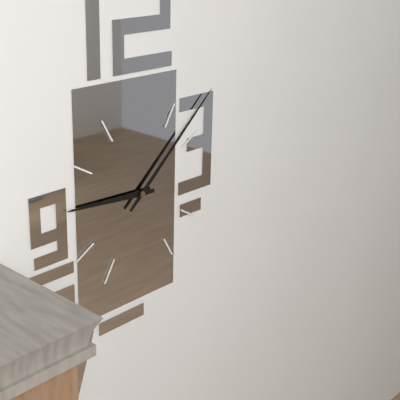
9:08
